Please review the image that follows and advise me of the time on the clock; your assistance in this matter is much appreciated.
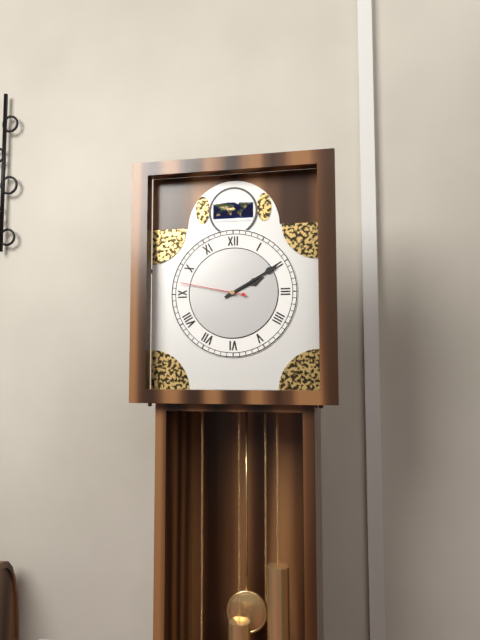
2:10:47
